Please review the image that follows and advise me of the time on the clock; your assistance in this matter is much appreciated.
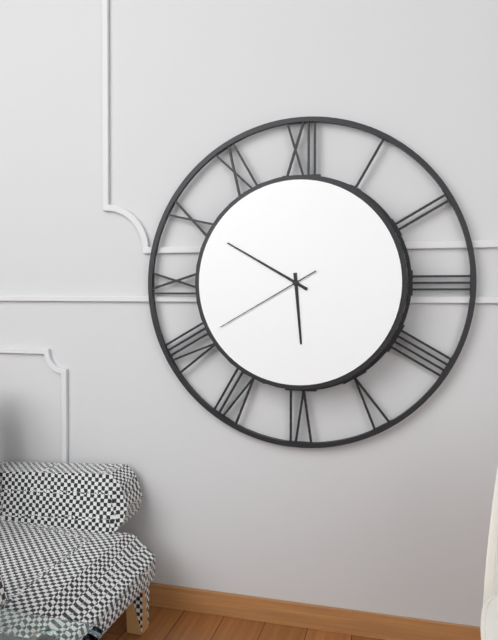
5:50:40
